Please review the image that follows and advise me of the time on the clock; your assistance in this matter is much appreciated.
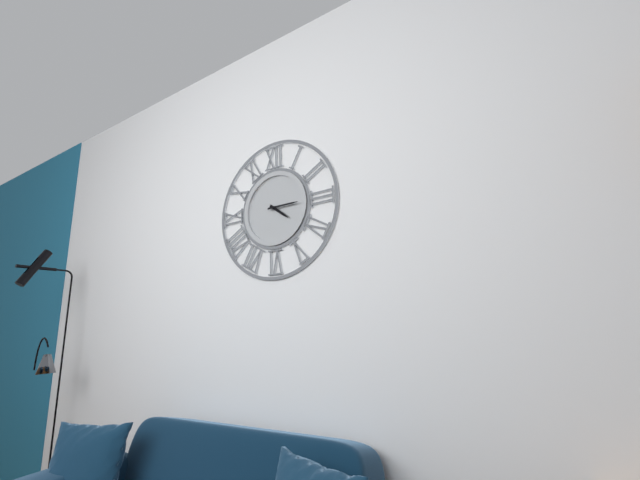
4:15
